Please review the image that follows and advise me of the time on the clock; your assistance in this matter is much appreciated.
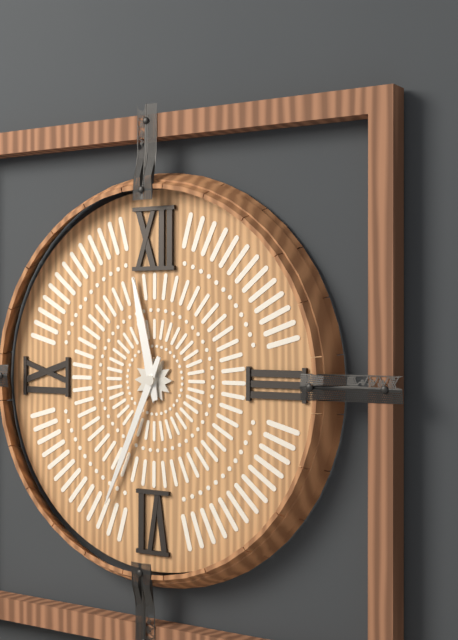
11:34
